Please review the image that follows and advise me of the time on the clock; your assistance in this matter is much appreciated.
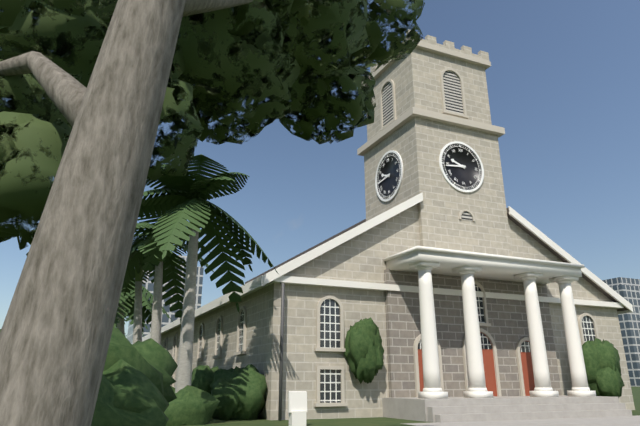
9:44
